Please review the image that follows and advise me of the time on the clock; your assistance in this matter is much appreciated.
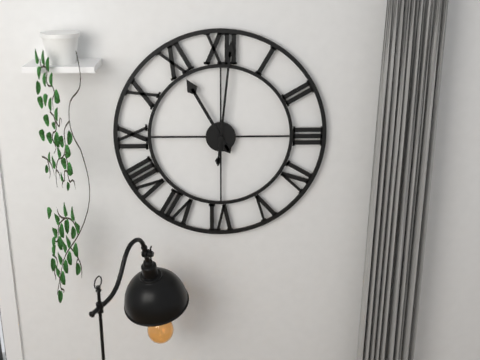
11:01
